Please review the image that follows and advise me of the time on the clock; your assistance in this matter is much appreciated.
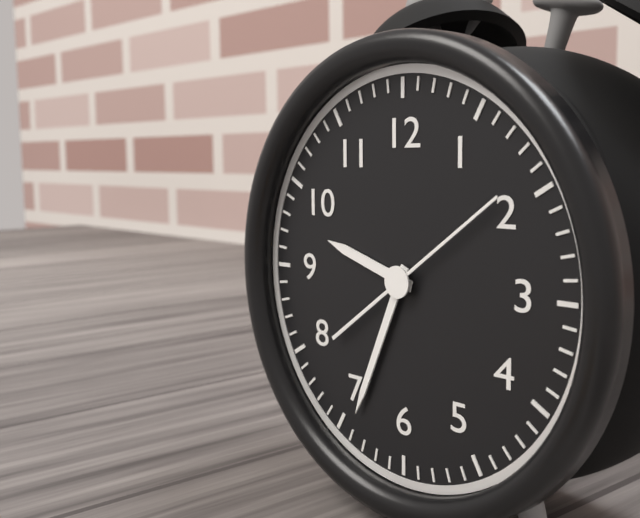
9:34:09
